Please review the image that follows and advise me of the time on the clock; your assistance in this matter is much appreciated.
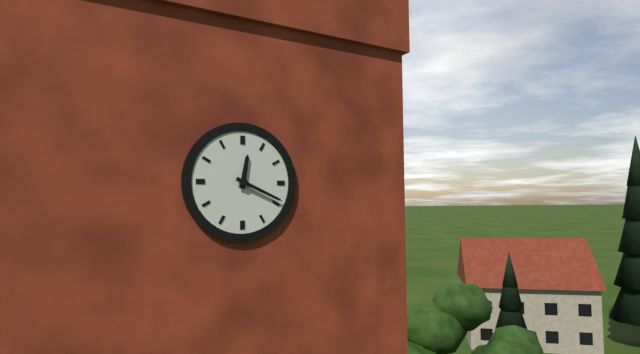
12:19
